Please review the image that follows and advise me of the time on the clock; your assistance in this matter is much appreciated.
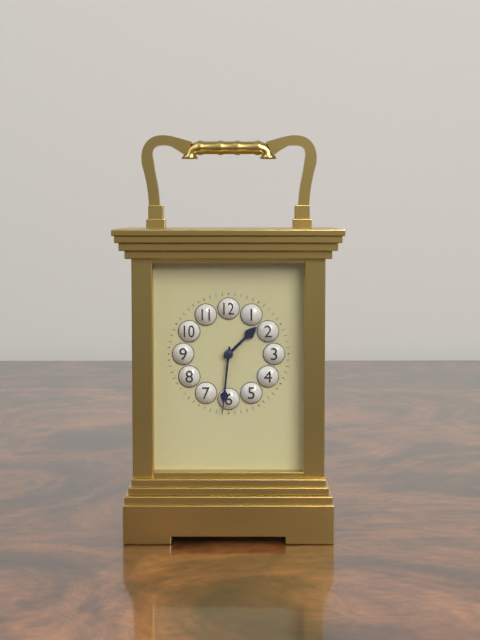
1:31
